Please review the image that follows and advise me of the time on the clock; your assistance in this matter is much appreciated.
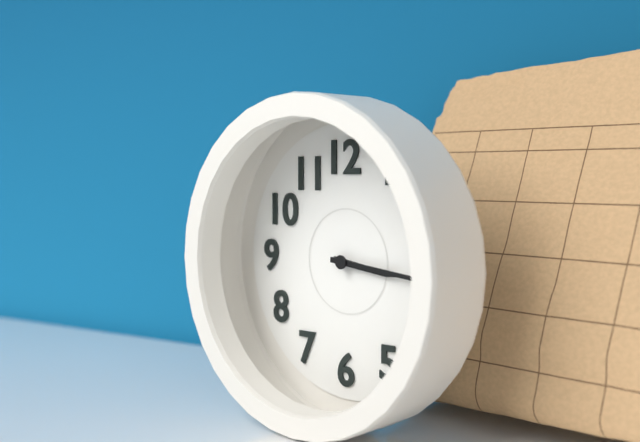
3:16
